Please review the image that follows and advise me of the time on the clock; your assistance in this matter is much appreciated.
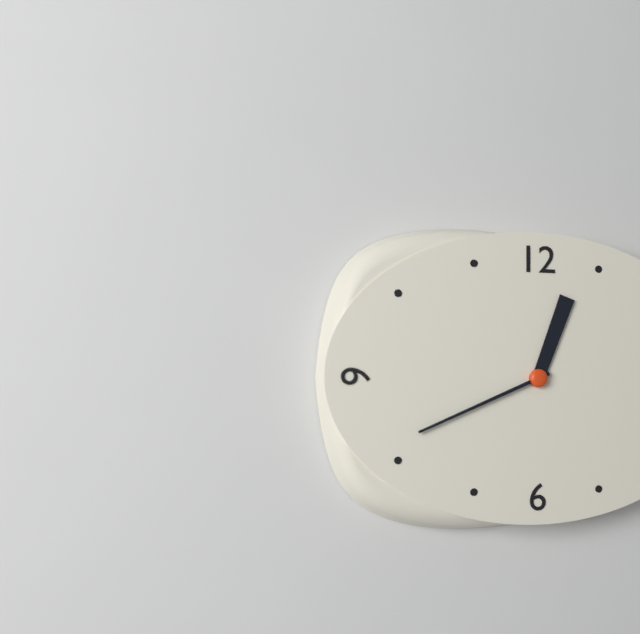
12:41
